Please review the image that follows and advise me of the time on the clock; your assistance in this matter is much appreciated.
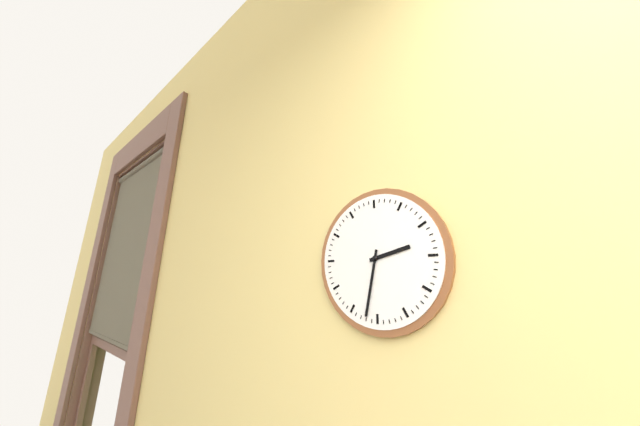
2:32
